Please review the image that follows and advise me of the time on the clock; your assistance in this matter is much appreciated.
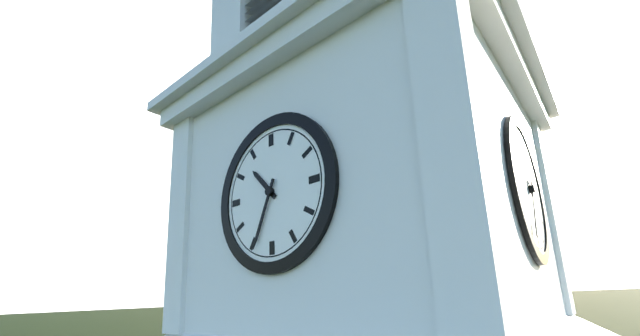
10:34
